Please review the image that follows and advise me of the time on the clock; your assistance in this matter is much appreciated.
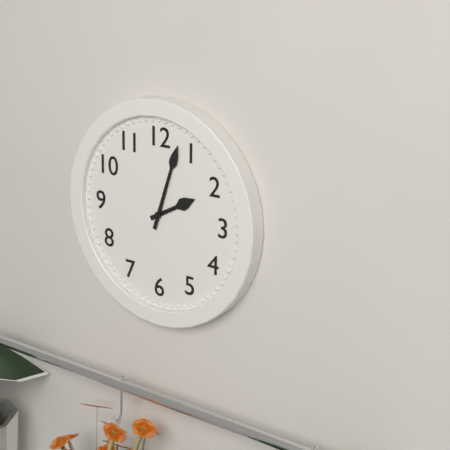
2:03
